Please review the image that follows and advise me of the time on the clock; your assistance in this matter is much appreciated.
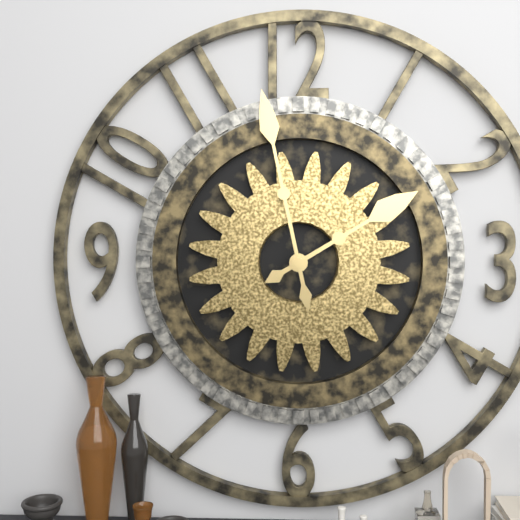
1:58
